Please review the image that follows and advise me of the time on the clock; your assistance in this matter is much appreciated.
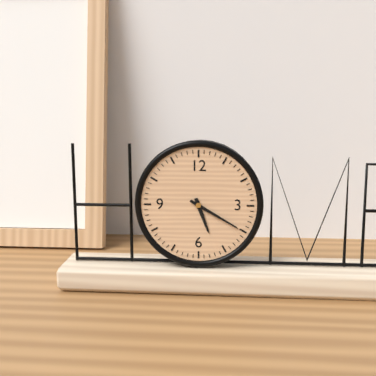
5:20
